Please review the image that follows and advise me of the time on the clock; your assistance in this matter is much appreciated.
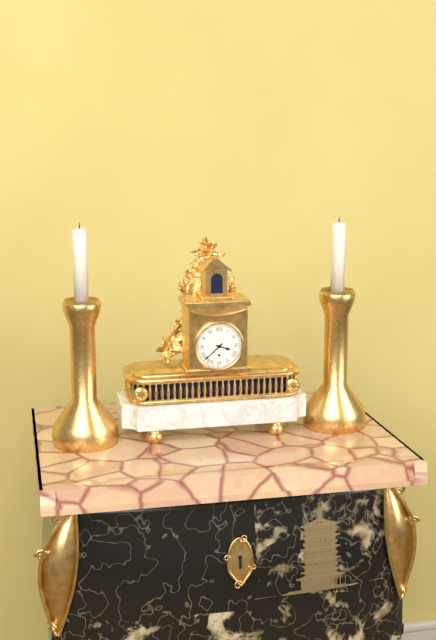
3:38
